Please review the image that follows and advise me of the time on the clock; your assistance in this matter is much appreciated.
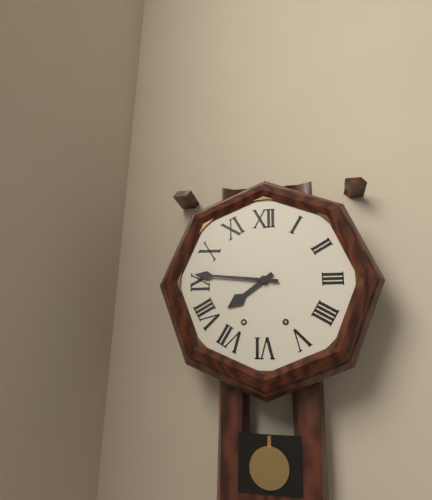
7:46
